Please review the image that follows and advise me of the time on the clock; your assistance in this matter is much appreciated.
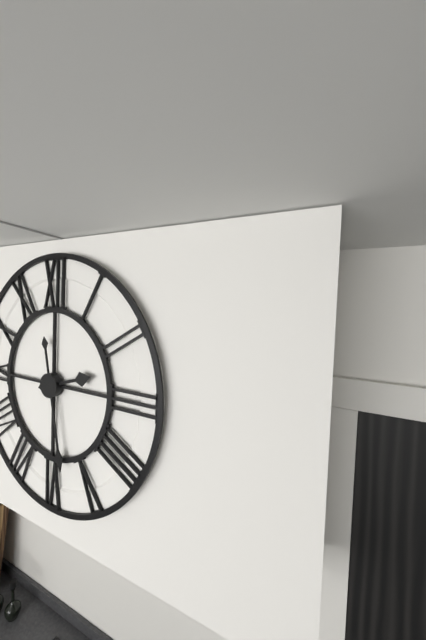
2:28
